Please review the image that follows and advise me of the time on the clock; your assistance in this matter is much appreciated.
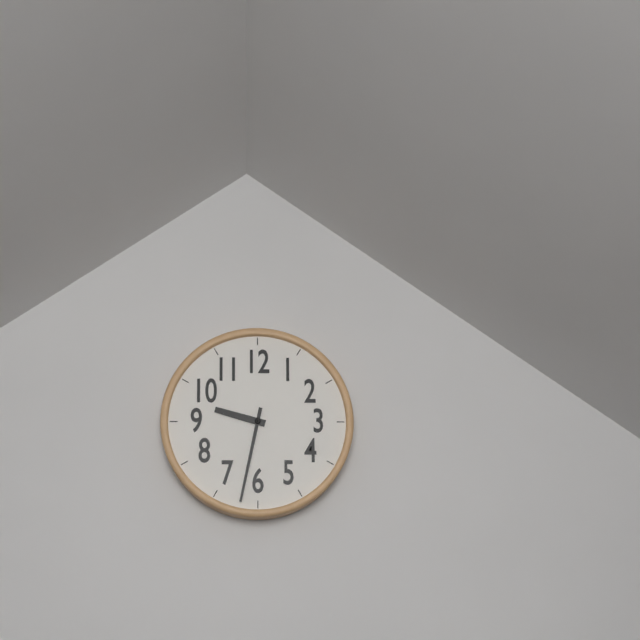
9:32
